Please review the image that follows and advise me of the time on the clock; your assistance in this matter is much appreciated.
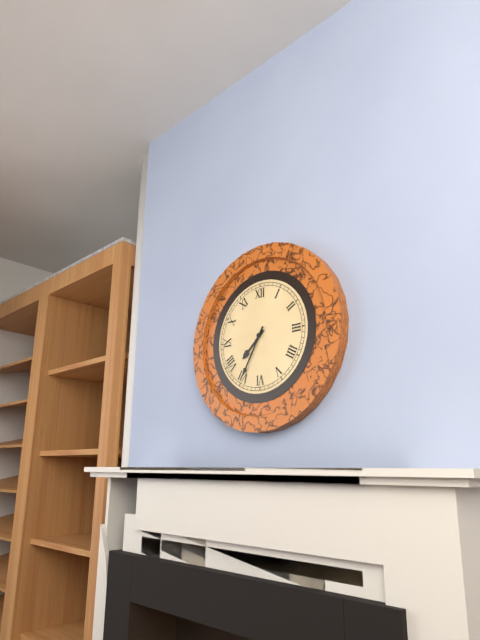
7:35
